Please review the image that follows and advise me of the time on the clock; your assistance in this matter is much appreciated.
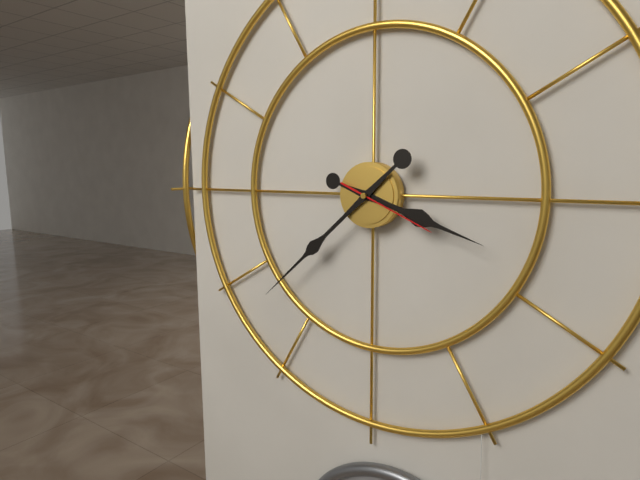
3:38:19
